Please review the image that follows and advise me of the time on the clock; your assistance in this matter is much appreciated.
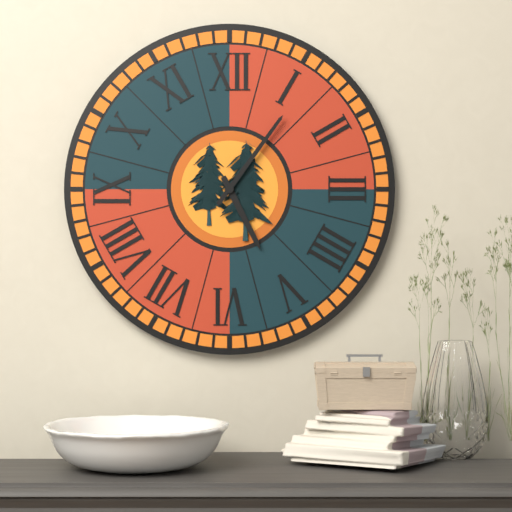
5:06
